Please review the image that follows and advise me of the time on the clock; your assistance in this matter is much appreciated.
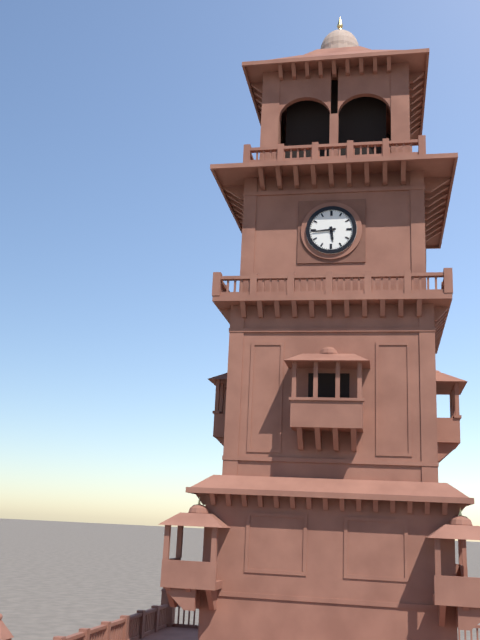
5:44
